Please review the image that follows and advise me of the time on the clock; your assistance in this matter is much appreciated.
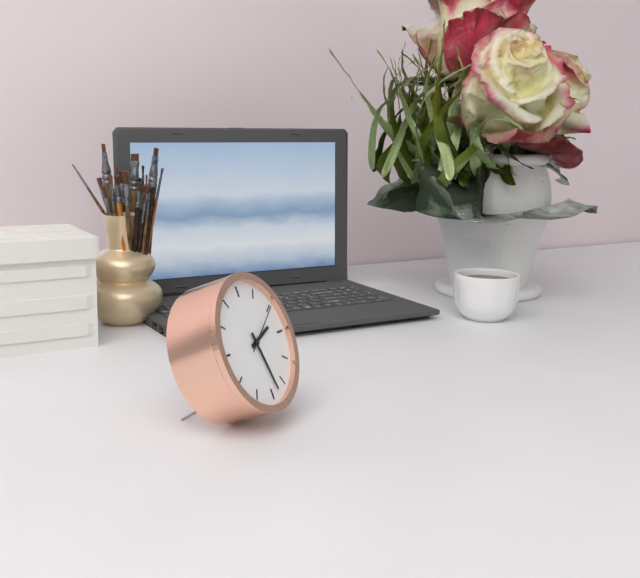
2:28:10
